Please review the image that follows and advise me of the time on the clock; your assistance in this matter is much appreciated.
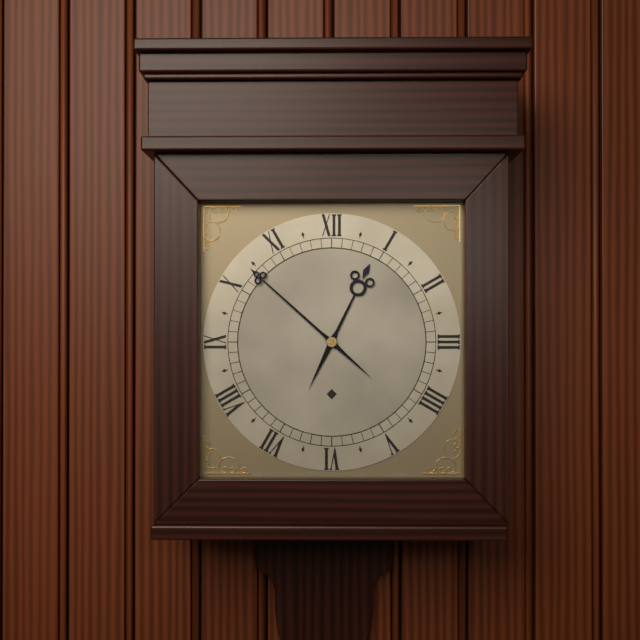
12:52
